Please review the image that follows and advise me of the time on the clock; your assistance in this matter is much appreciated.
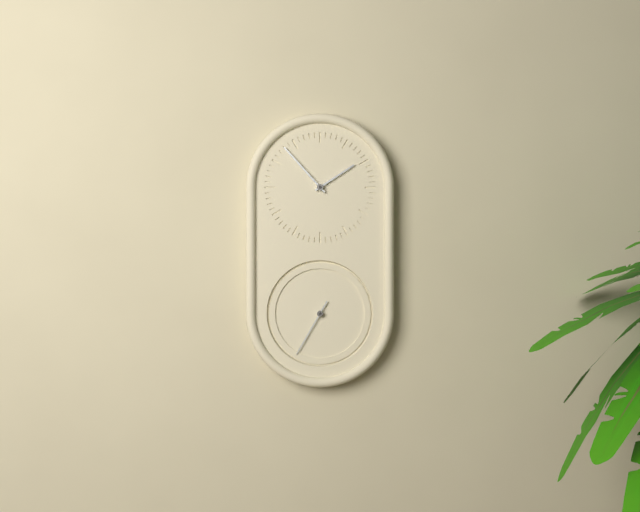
1:53:35
